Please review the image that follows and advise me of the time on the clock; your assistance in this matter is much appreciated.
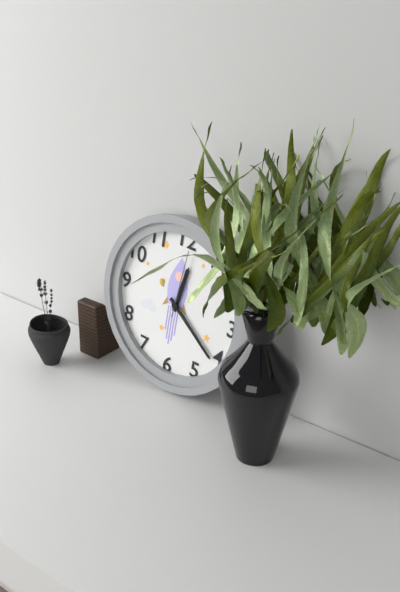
12:21:01
